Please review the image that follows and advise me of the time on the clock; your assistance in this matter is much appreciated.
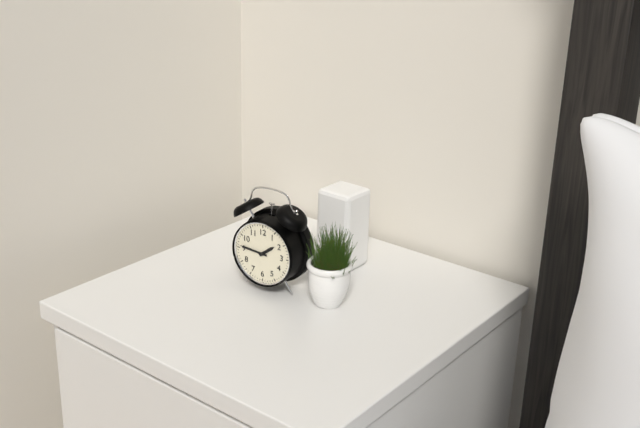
1:46
